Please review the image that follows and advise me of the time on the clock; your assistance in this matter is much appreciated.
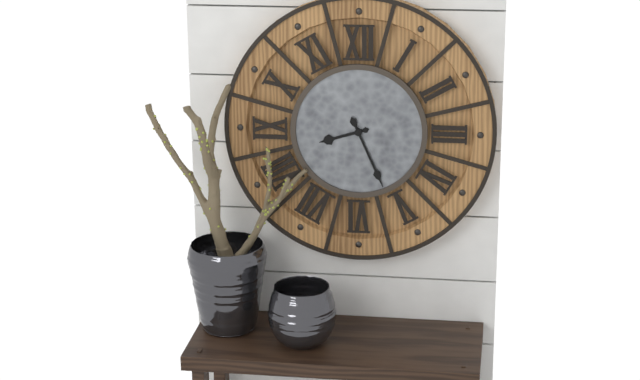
8:26
